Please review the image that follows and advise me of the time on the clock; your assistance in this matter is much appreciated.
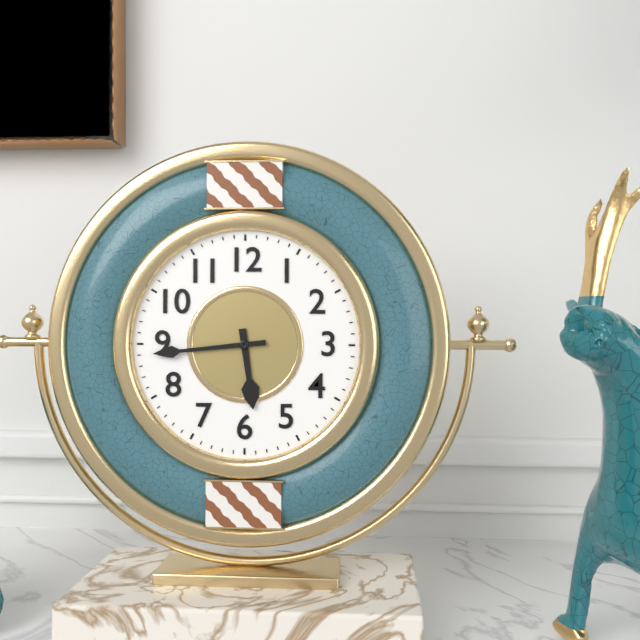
5:44
